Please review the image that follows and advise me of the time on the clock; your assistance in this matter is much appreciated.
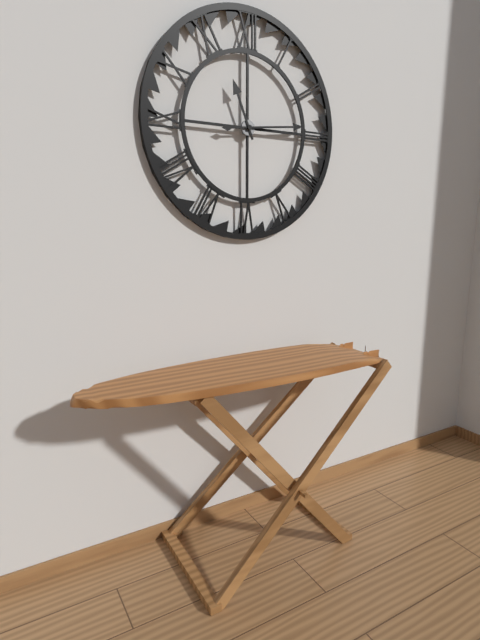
11:14
